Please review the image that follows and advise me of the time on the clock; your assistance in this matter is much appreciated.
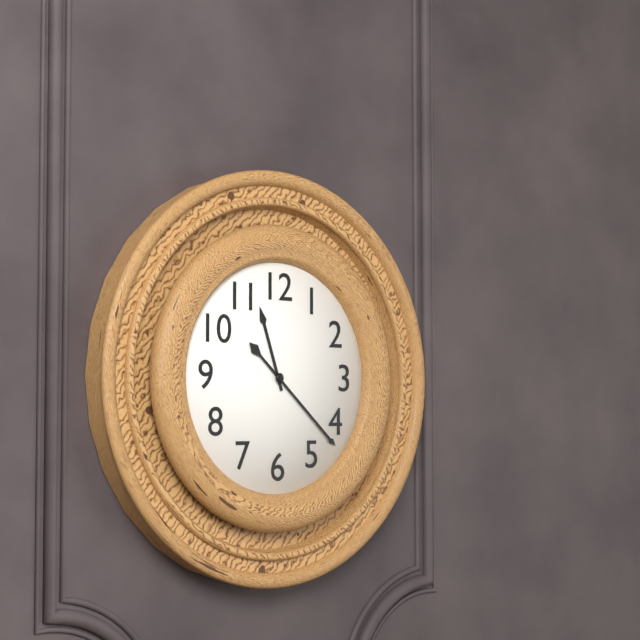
11:22
